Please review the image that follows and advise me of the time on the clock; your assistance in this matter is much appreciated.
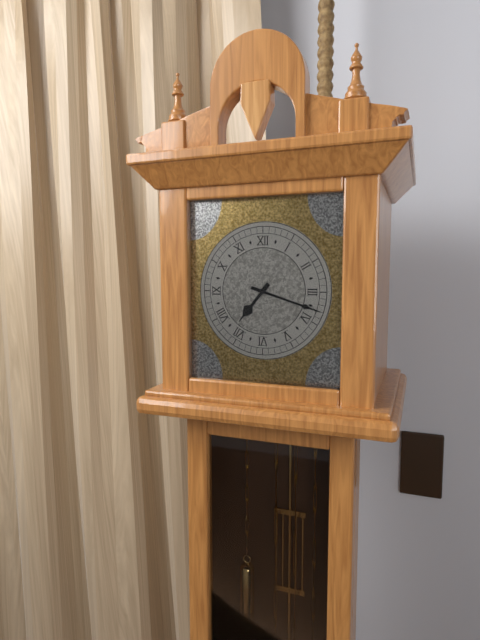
7:18
